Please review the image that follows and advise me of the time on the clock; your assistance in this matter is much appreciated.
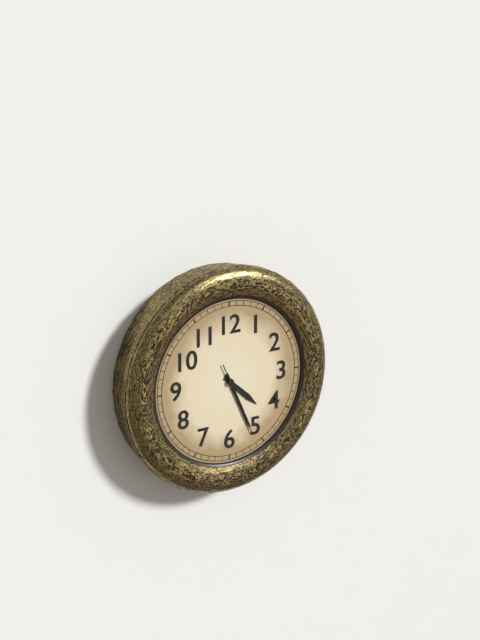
4:26:26
